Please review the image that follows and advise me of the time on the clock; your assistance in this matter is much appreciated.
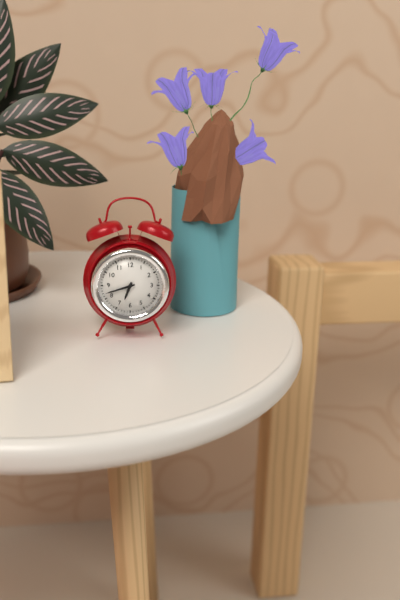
6:42
